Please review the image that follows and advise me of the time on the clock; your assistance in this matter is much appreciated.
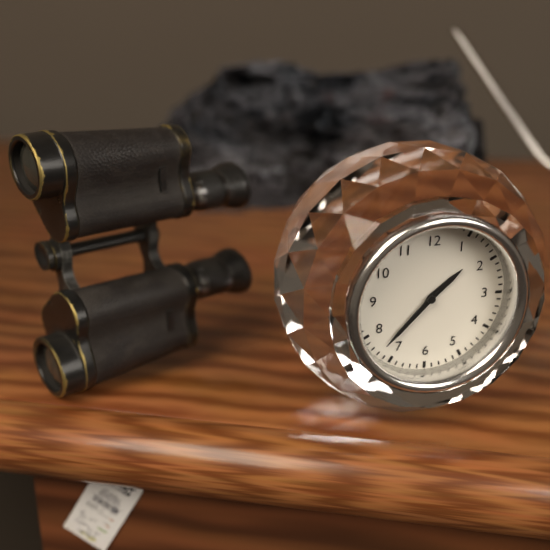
1:37
